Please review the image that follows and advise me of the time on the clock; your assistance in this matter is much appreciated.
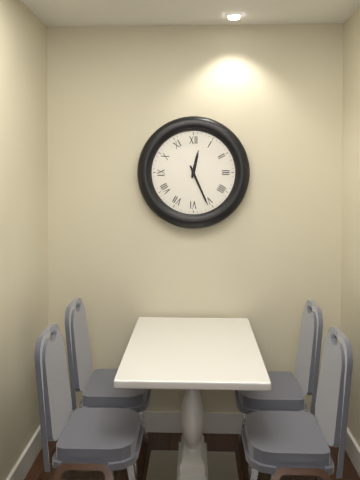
12:26
